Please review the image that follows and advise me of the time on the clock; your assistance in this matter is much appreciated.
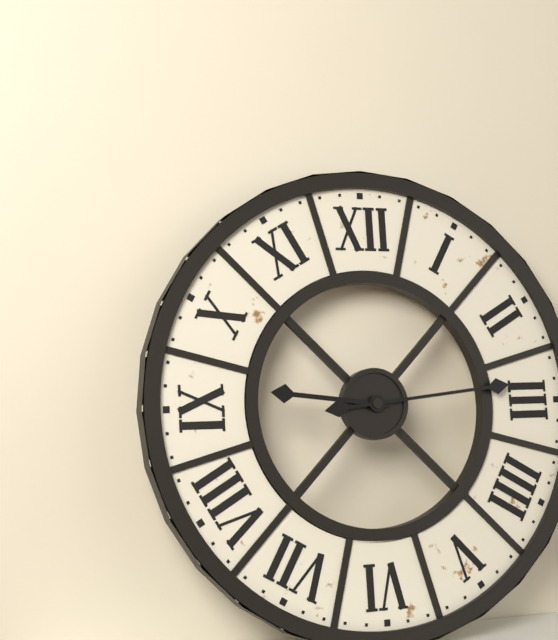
9:14
